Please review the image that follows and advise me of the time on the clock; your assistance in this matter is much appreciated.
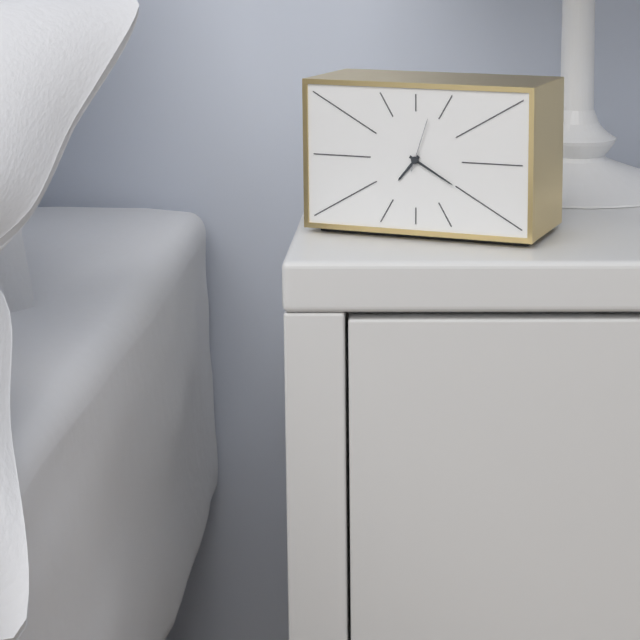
7:20:03
